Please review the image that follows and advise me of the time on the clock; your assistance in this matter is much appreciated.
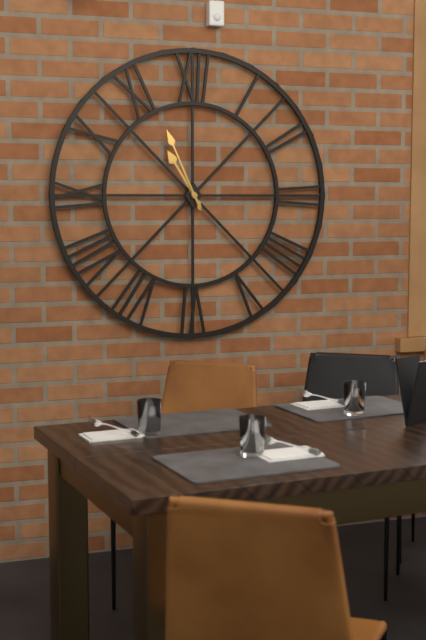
10:56
